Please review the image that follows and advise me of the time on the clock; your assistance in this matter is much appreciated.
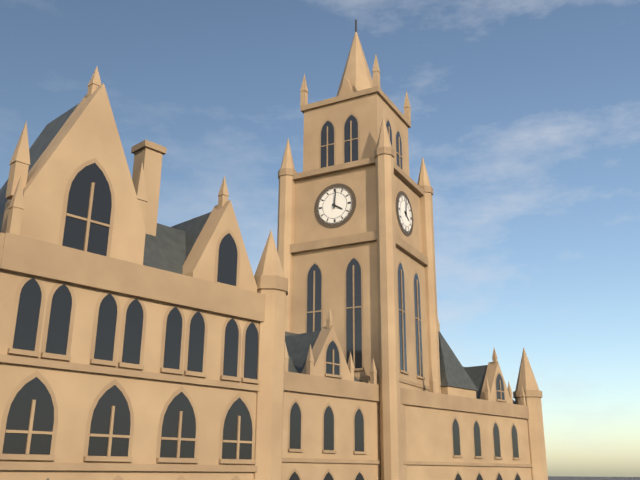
4:01
